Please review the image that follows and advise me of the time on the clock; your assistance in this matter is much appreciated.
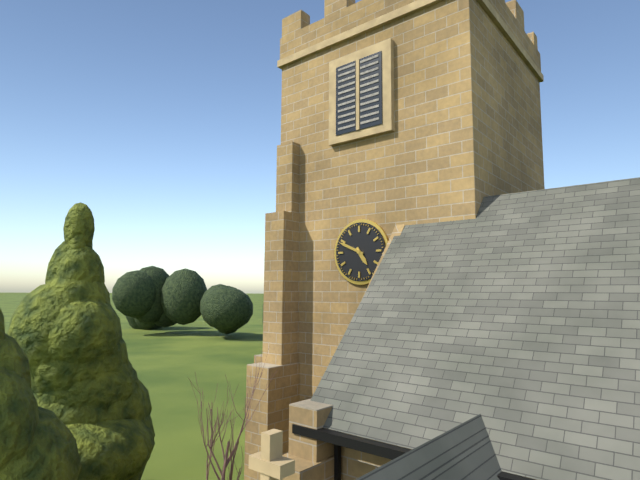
4:49
